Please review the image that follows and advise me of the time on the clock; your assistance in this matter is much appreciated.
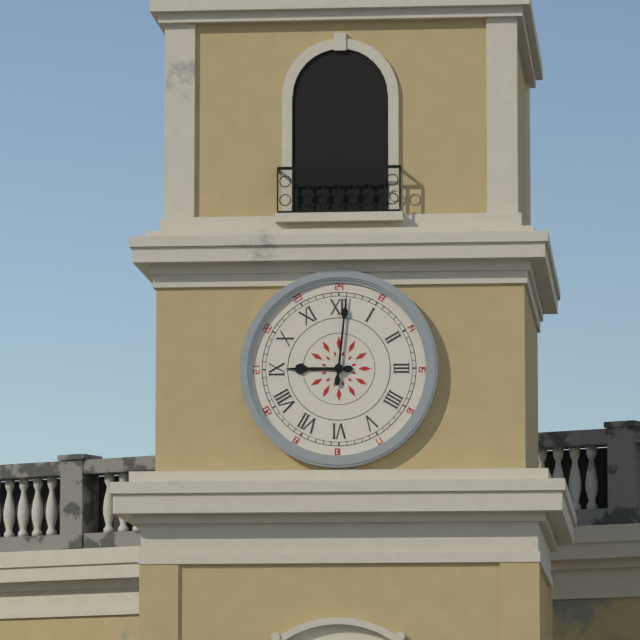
9:01
